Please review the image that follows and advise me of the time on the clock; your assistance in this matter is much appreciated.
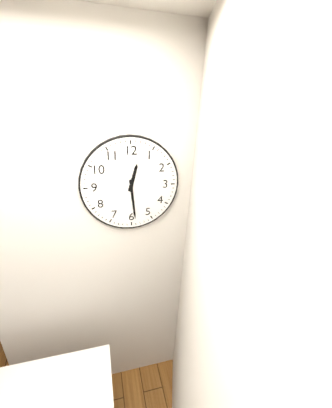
12:29
